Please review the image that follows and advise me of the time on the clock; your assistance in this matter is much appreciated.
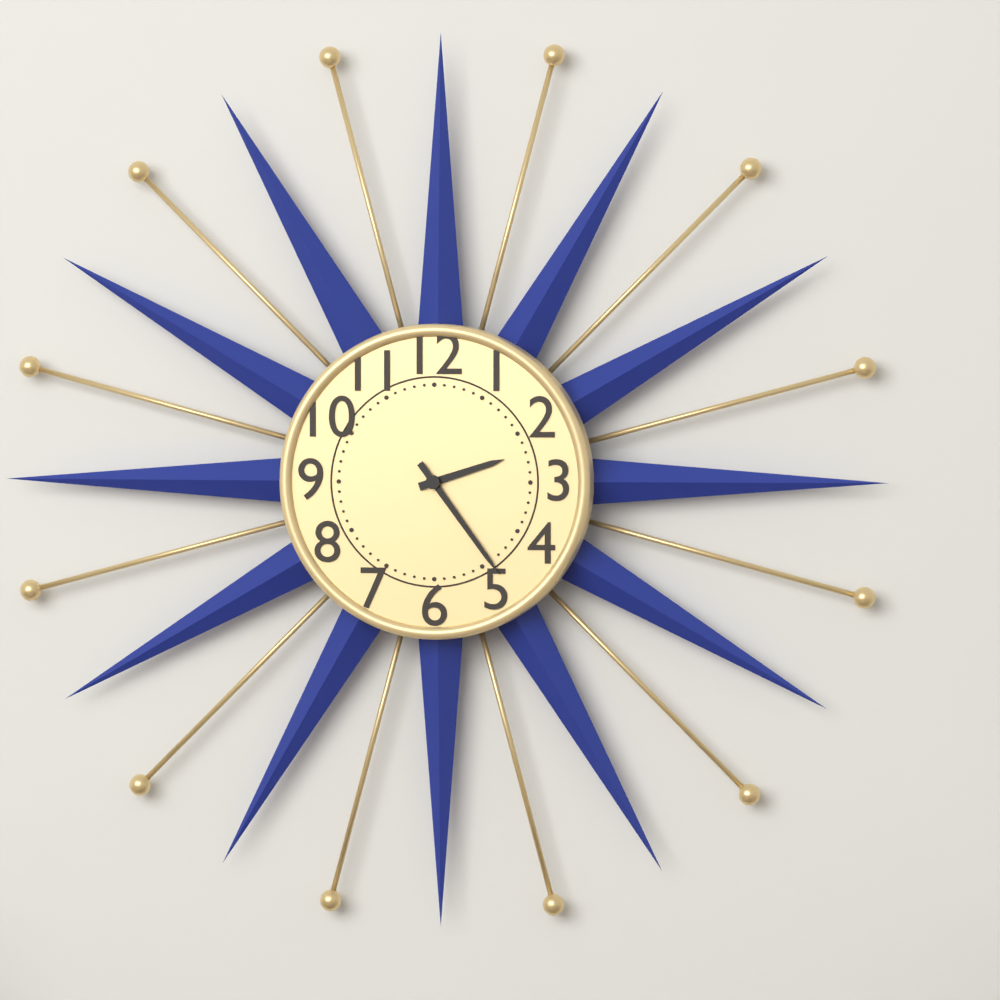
2:24
